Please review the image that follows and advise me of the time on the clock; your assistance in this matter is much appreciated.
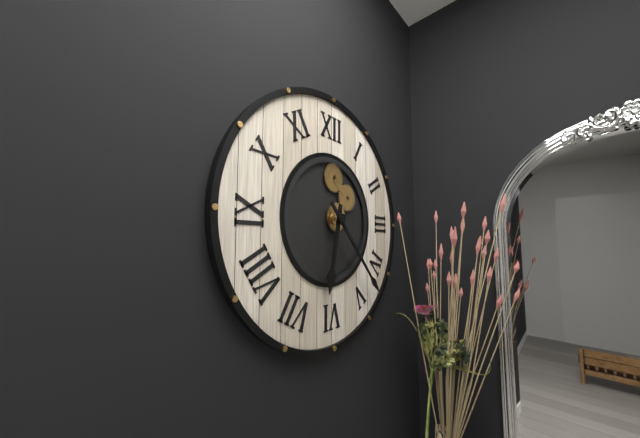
6:23
